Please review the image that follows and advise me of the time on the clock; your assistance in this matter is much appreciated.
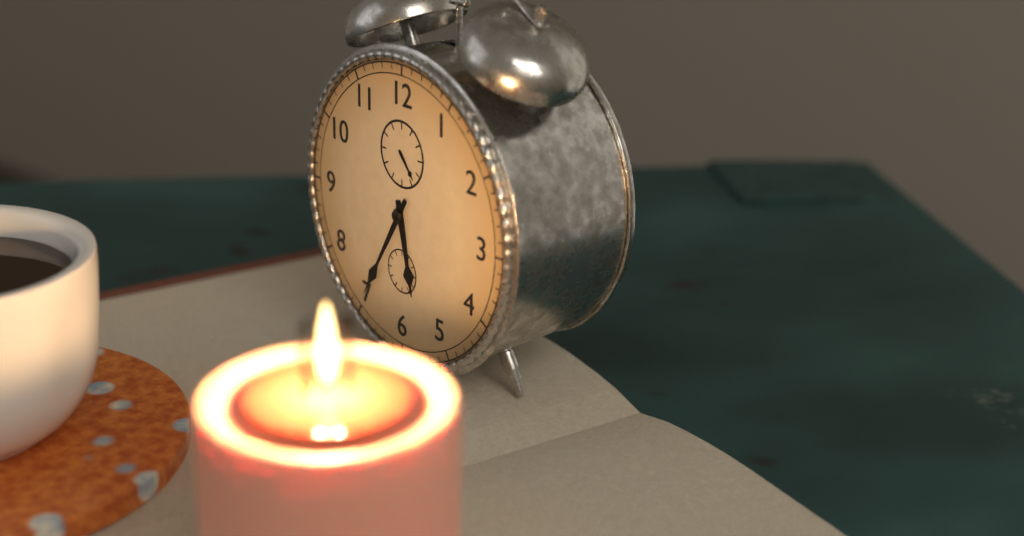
5:35
